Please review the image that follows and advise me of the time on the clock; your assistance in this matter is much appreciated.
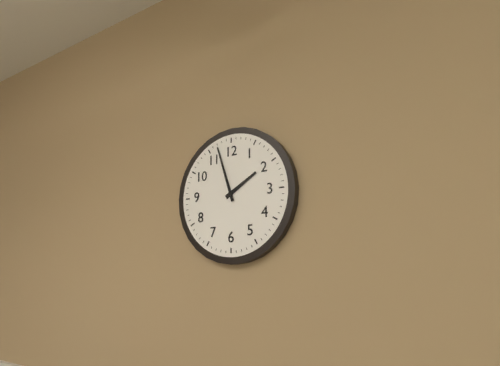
1:57
